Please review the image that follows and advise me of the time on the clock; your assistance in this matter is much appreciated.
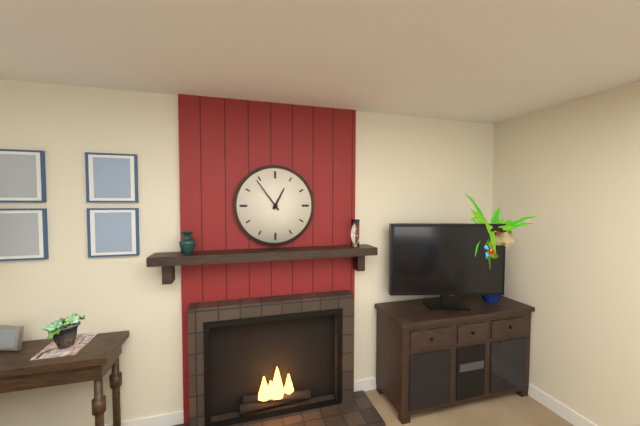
12:54
